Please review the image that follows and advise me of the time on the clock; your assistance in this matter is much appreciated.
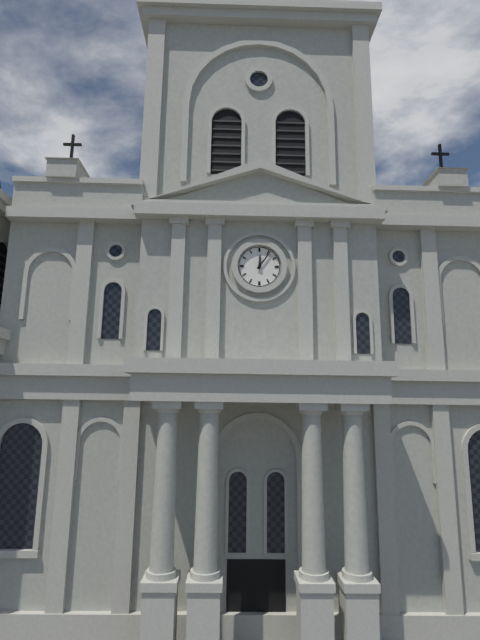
12:06
